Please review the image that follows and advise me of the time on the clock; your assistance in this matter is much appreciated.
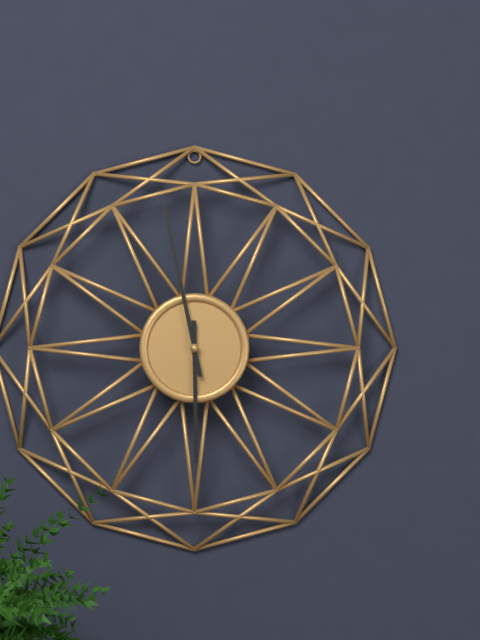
5:58
